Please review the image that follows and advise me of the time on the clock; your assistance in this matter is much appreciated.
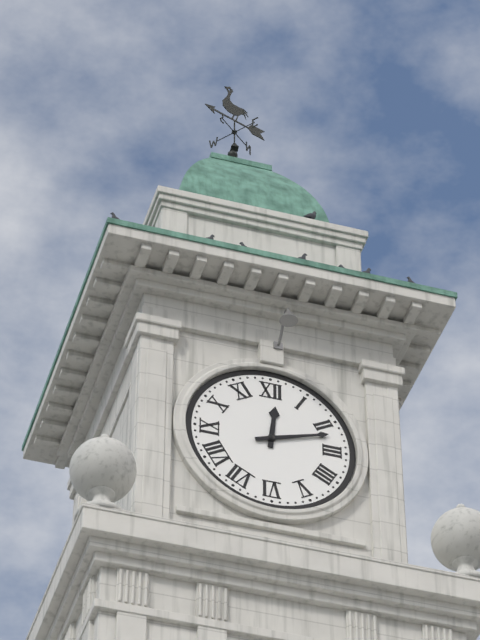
12:12
